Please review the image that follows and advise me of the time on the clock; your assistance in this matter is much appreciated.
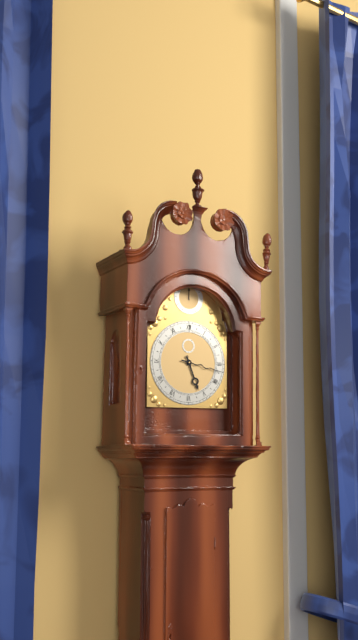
5:17
